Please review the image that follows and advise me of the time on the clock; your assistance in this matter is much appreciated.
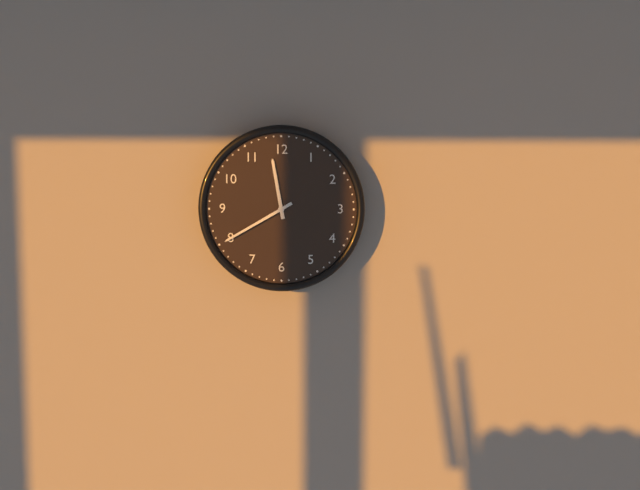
11:40
